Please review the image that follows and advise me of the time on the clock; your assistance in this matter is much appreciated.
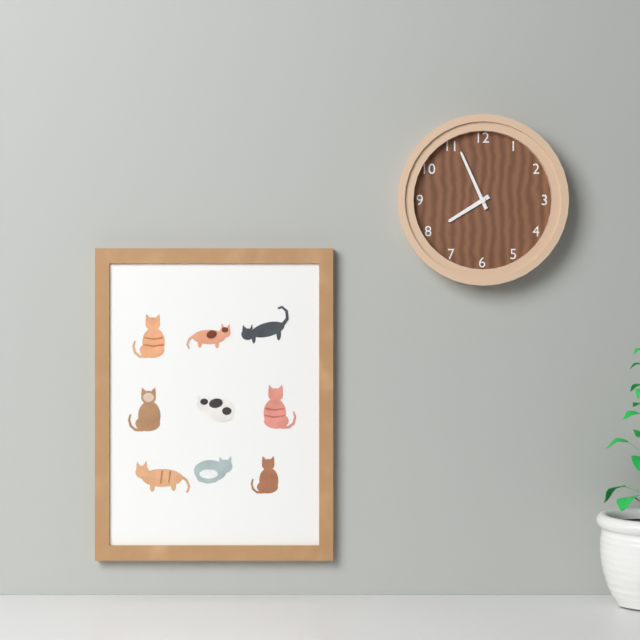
7:56
